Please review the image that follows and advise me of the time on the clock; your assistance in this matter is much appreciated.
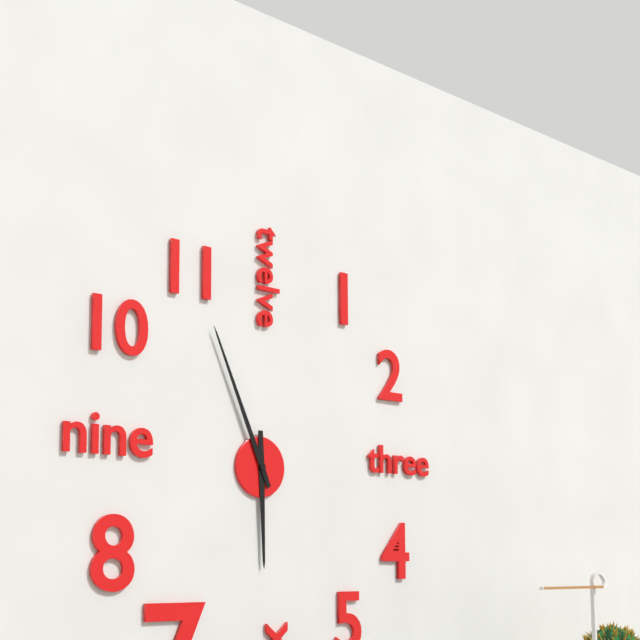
5:56
